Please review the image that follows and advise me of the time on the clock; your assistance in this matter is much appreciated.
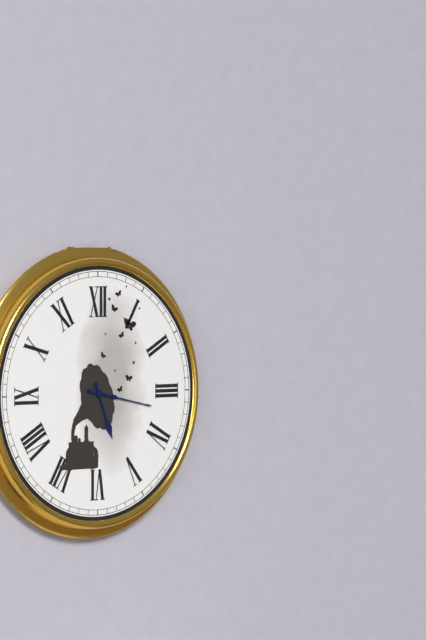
5:17
